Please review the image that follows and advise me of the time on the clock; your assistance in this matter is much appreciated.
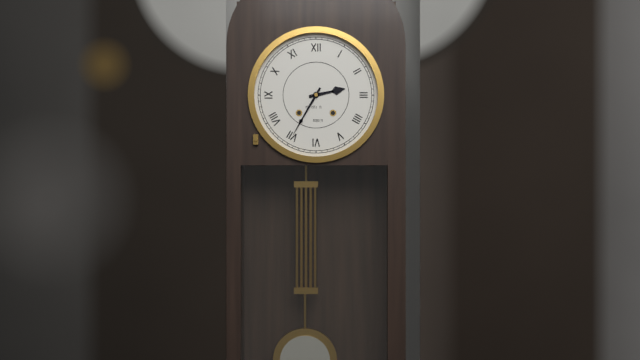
2:35
